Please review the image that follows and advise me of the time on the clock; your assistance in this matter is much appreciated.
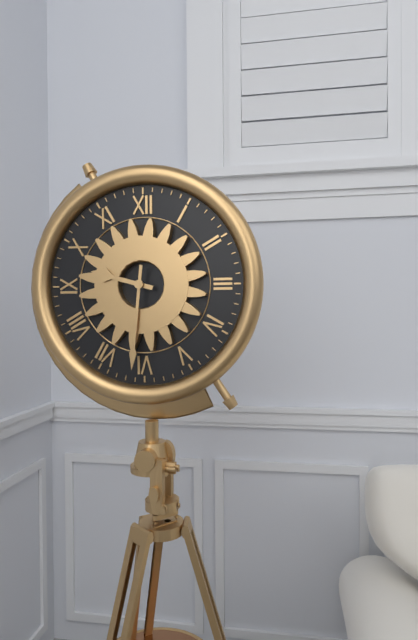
9:31
